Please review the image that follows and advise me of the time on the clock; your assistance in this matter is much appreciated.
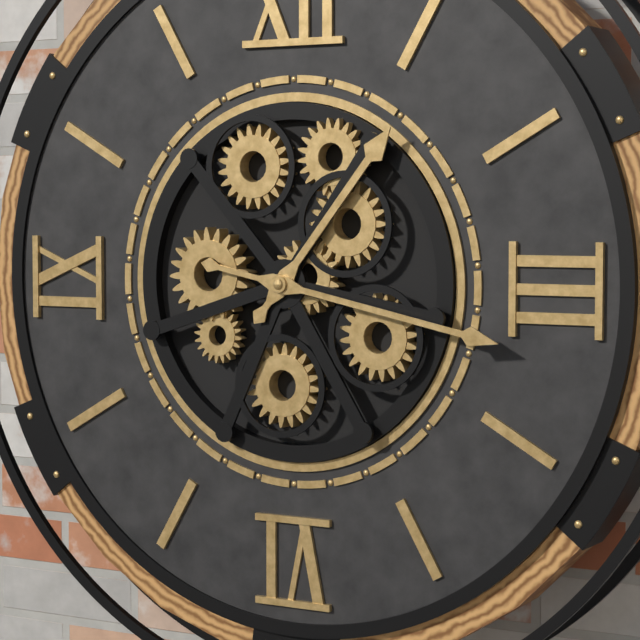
1:17
